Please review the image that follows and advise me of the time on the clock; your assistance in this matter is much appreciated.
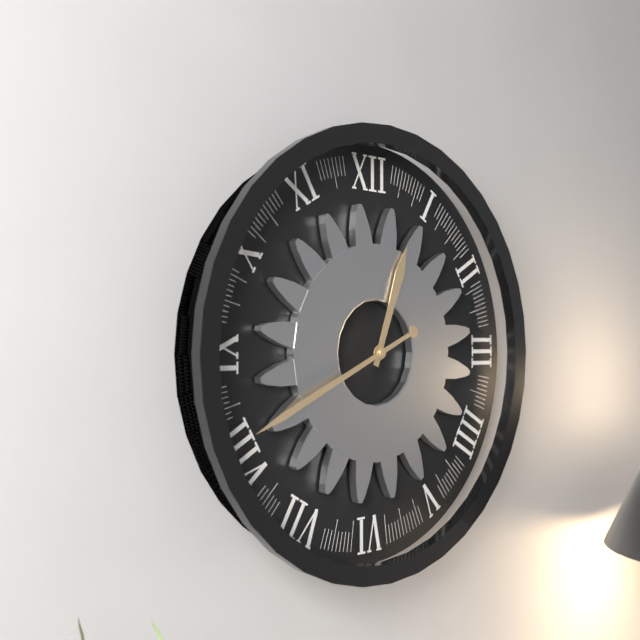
12:41
